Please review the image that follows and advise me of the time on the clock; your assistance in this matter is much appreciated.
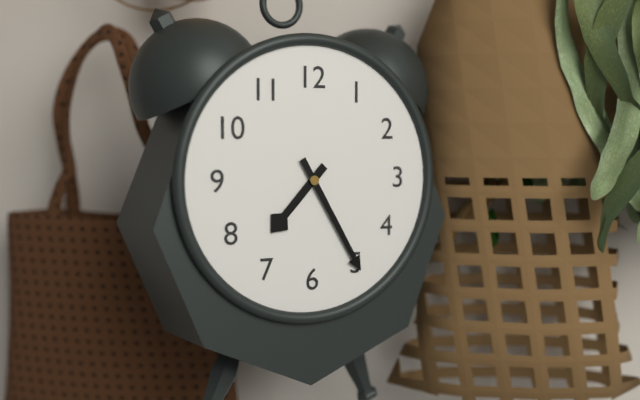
7:25
